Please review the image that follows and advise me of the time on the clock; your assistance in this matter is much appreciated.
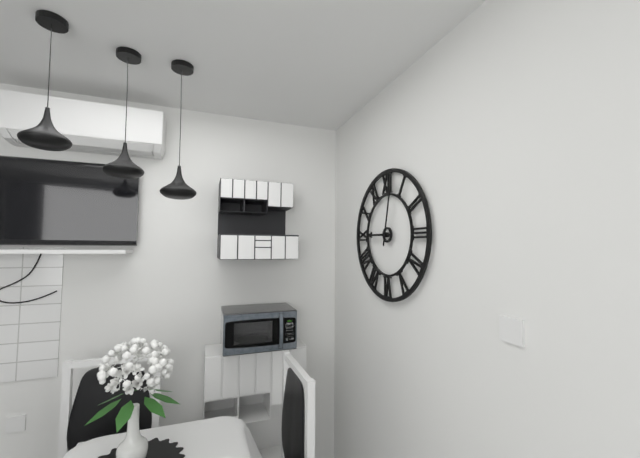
9:02
